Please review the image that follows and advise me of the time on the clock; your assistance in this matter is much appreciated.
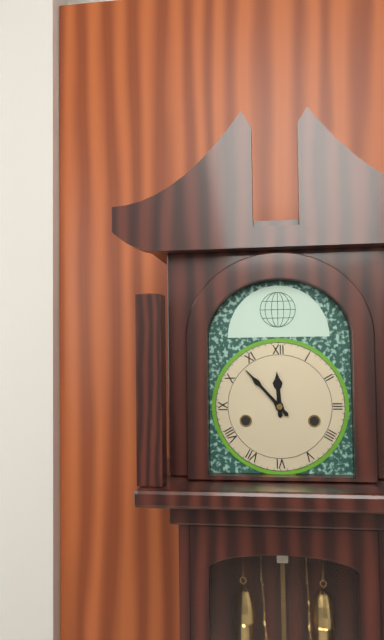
11:53
